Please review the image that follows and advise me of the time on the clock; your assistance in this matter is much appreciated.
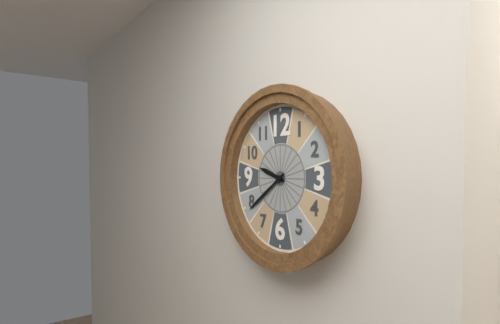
9:39
